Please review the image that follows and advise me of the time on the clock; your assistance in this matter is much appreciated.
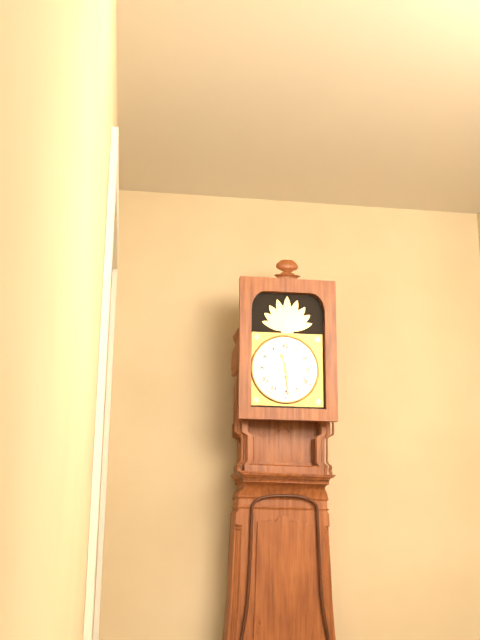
11:29
